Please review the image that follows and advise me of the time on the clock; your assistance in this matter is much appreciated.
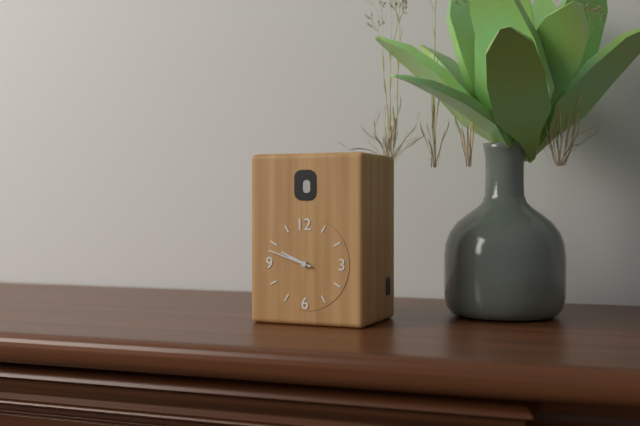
9:48
